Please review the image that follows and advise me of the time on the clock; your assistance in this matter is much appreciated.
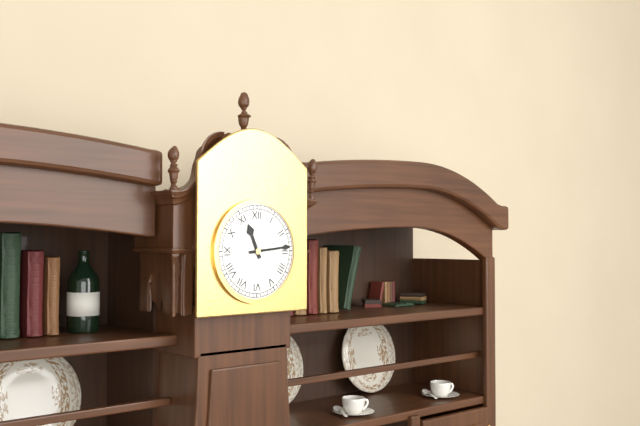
11:14
